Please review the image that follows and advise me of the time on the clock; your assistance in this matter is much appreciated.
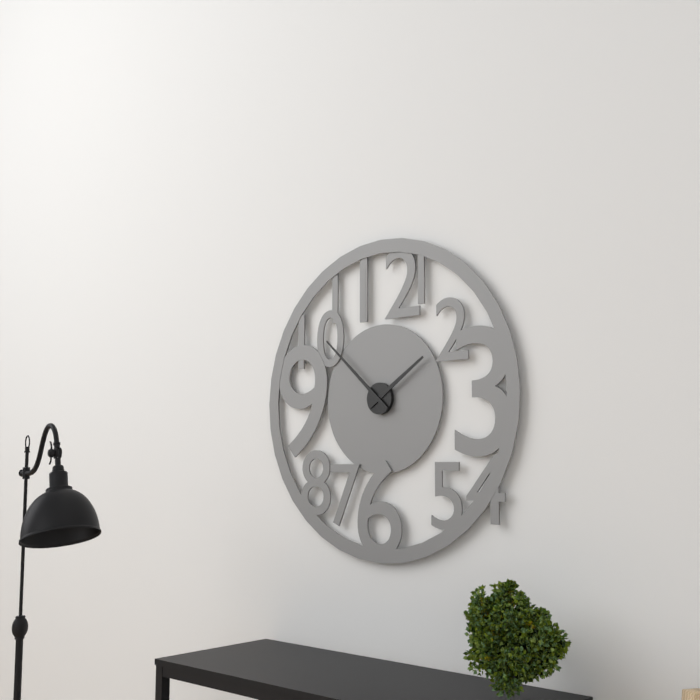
1:52
